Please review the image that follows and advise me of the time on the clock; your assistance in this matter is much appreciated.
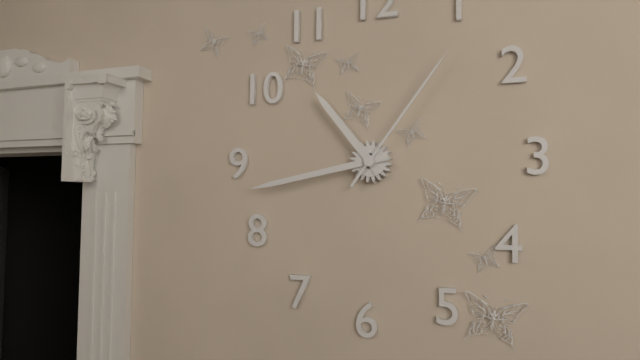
10:43:06
